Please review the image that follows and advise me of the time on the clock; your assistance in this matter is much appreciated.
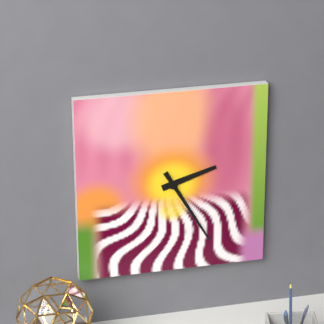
2:25
